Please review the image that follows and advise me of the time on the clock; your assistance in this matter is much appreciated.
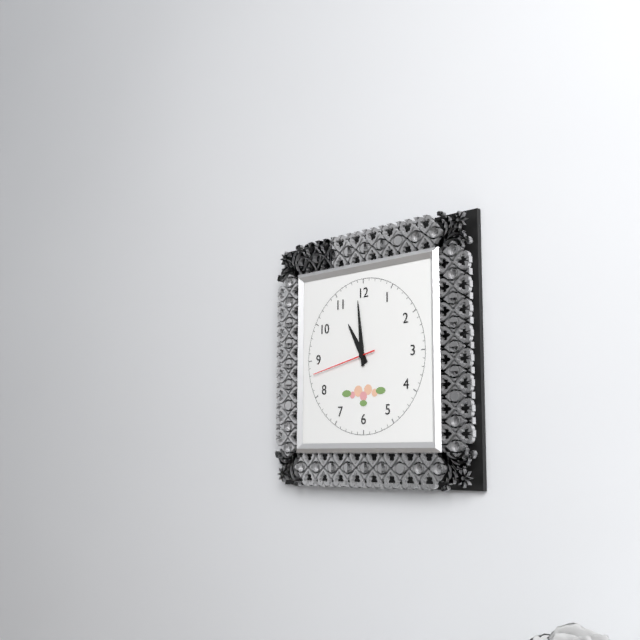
10:59:43
